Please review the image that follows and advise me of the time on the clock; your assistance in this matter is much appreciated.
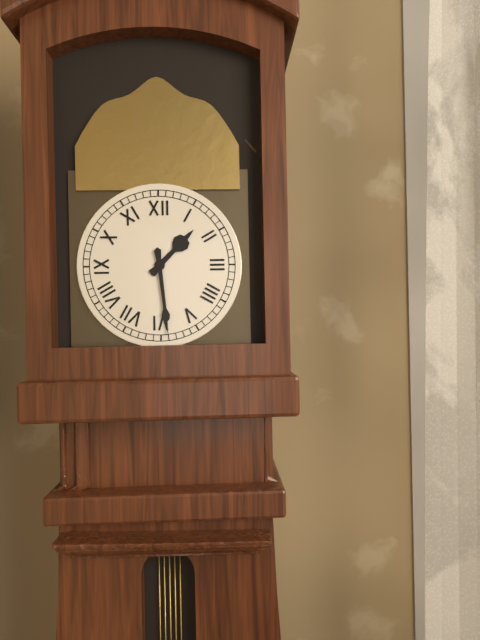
1:29
